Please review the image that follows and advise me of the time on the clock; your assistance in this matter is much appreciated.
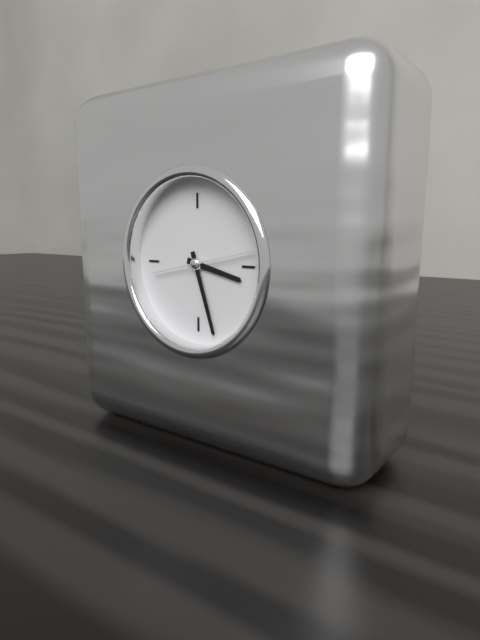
3:27:13
